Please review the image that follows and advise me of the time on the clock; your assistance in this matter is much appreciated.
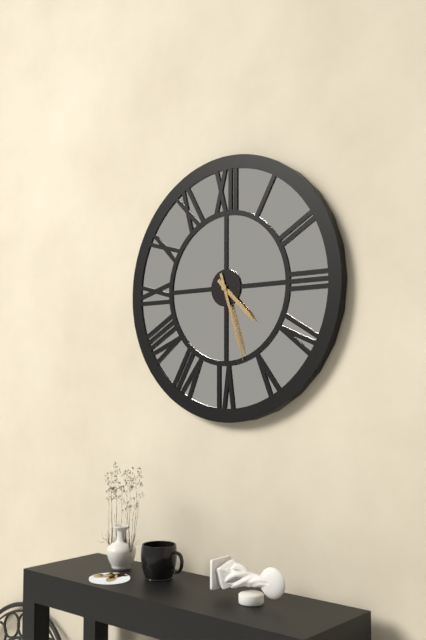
4:27
